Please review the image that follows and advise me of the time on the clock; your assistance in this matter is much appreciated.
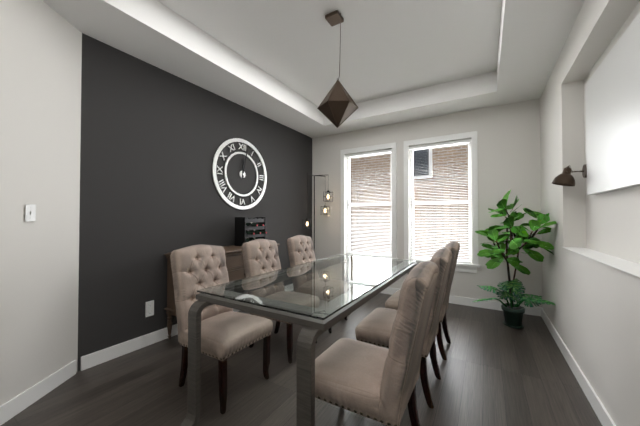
12:02
